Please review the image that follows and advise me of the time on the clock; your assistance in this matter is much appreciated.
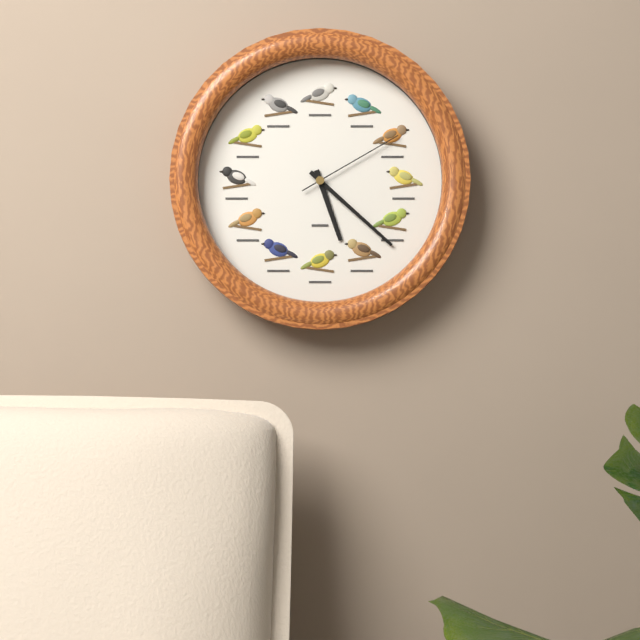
5:22:10
